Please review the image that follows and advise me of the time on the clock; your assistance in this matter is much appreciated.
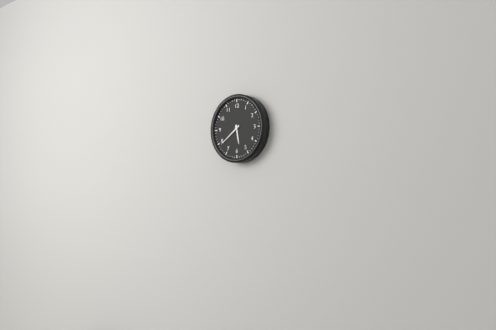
5:39
